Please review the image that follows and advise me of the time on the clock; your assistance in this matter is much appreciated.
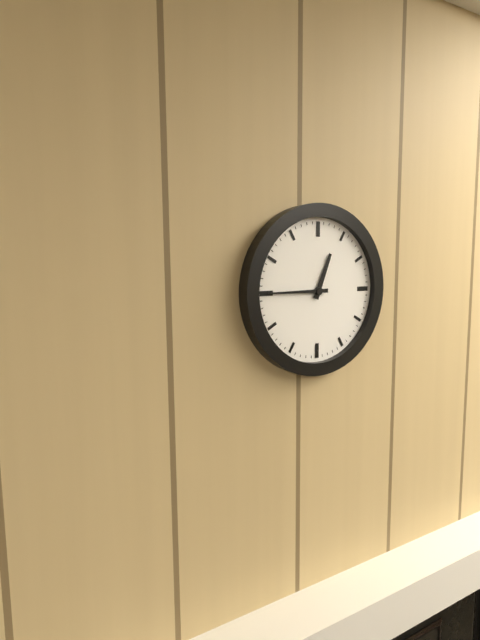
12:45
